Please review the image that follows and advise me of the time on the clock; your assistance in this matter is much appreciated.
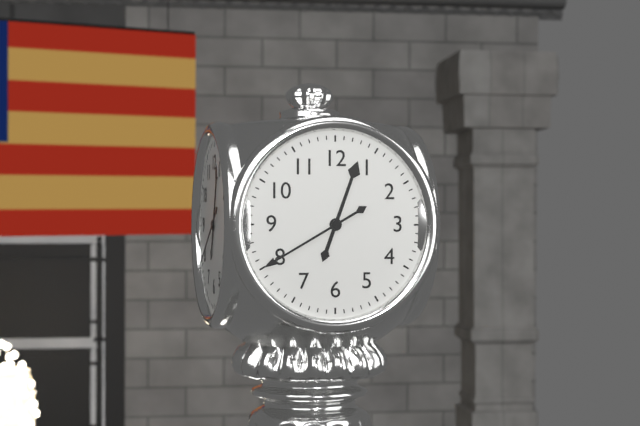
12:40
